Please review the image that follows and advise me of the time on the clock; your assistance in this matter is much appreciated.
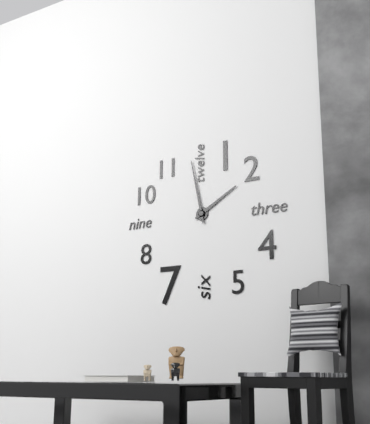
1:58
